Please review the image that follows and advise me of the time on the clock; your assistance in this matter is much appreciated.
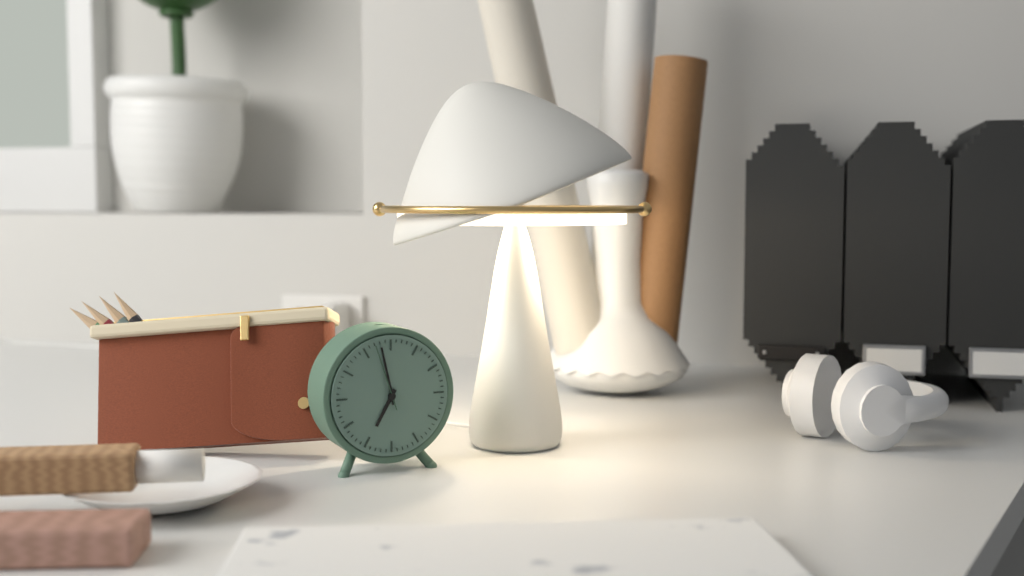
6:58:57
